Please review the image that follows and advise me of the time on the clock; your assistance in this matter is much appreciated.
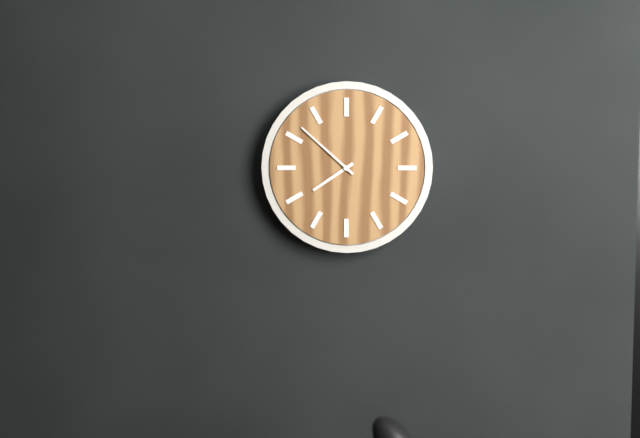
7:52
